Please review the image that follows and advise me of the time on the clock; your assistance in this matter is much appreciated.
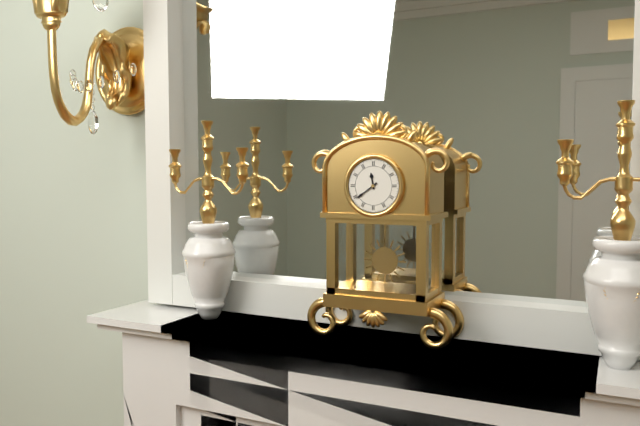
11:39
